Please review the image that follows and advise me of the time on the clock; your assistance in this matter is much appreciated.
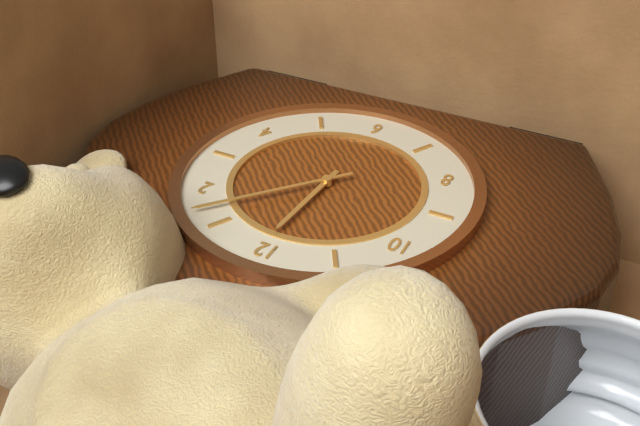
12:07
